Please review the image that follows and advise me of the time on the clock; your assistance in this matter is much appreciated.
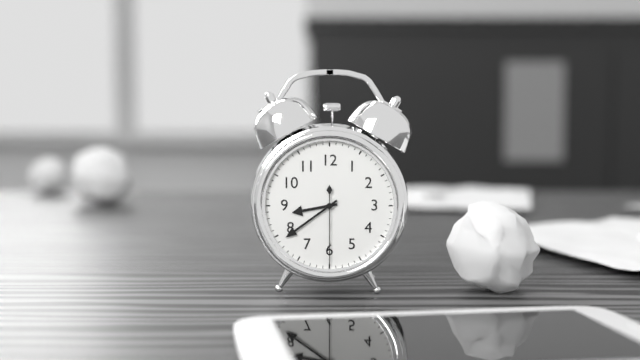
8:39:30
